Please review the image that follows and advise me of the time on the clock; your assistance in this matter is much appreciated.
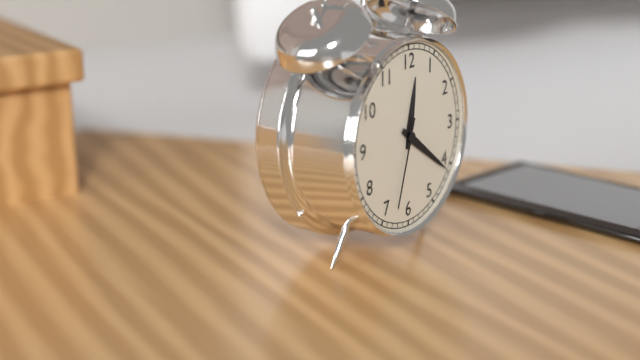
12:21:33
